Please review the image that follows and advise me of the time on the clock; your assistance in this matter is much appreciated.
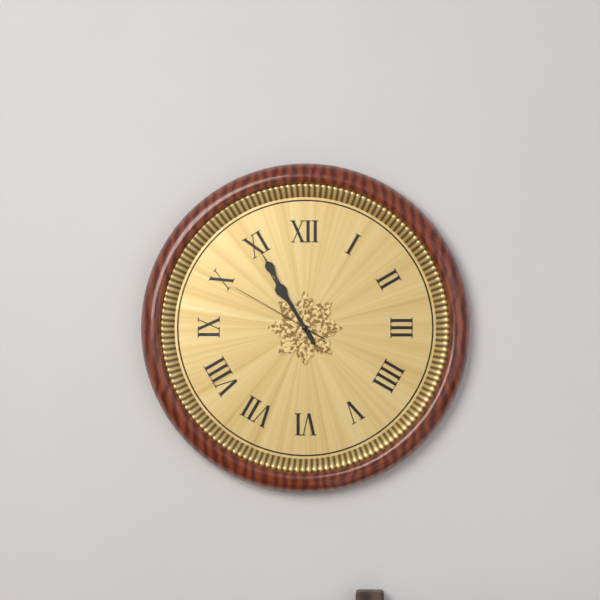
10:55:50
